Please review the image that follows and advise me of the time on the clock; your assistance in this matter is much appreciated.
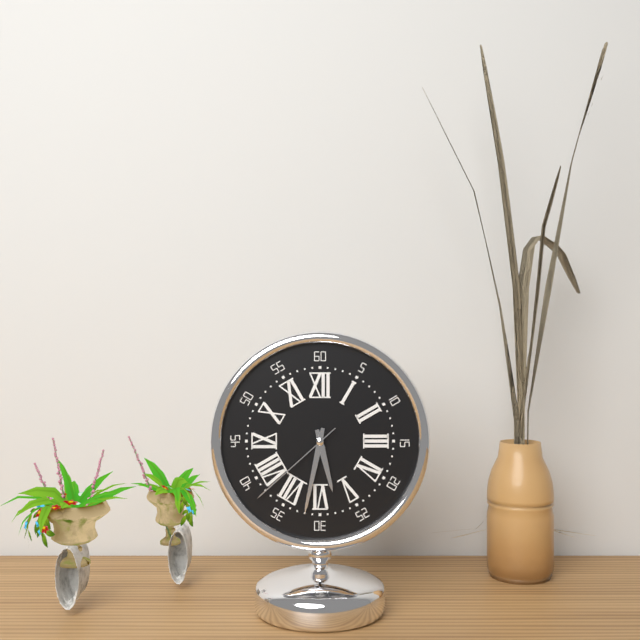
5:32:38
